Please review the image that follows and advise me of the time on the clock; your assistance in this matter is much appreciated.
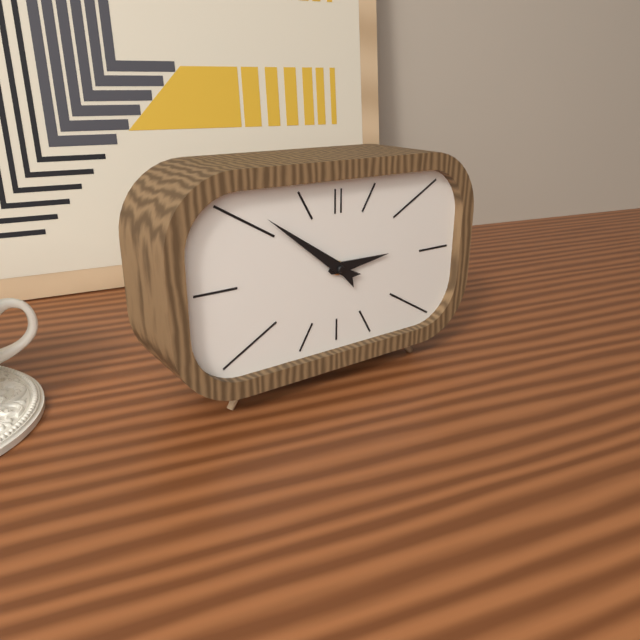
2:51
